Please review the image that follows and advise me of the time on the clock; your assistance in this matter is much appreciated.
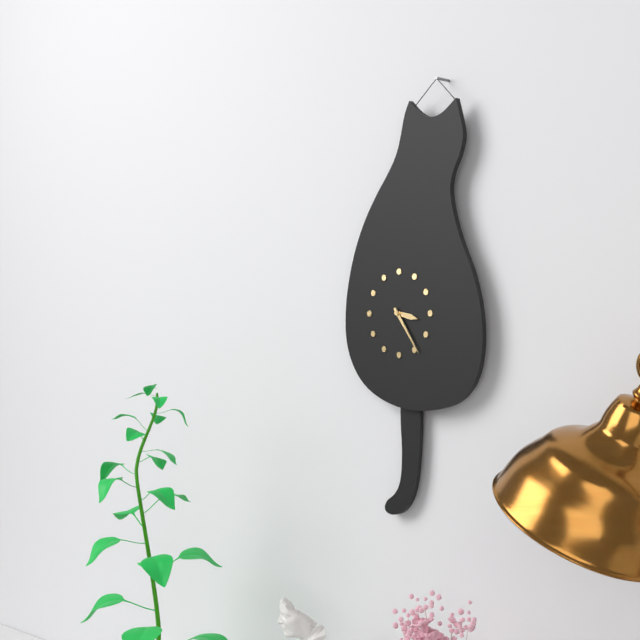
3:24
